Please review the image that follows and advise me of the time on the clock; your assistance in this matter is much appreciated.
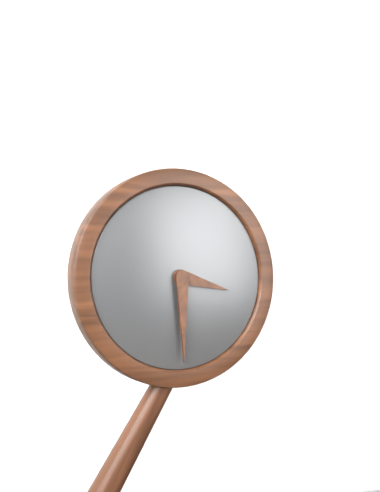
3:30
